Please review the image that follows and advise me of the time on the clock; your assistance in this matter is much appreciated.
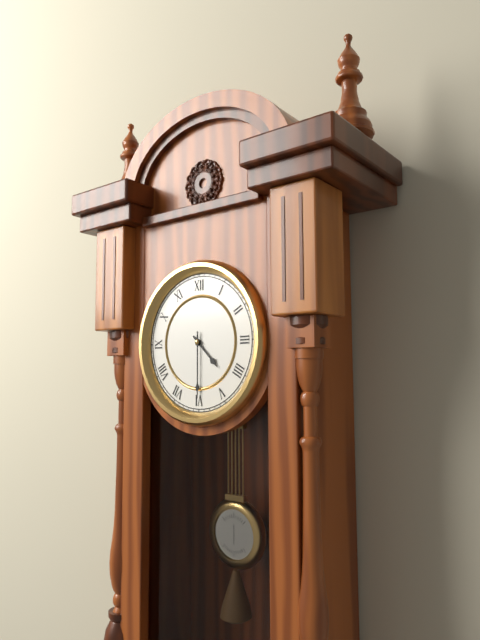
4:30
